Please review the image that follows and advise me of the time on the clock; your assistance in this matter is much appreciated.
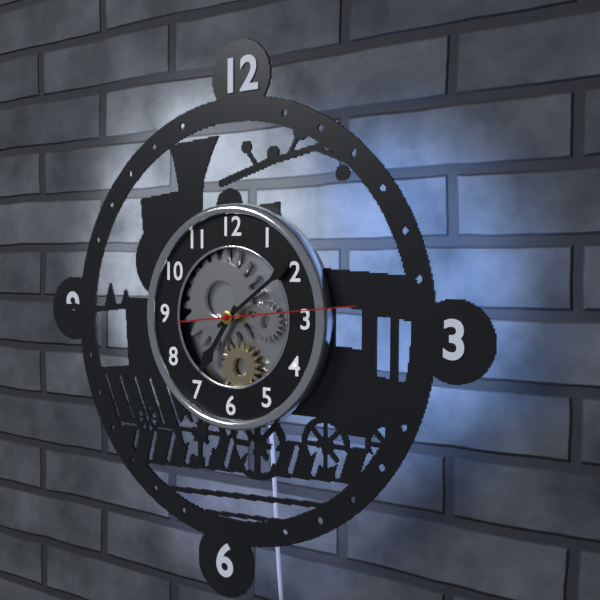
7:09:14
